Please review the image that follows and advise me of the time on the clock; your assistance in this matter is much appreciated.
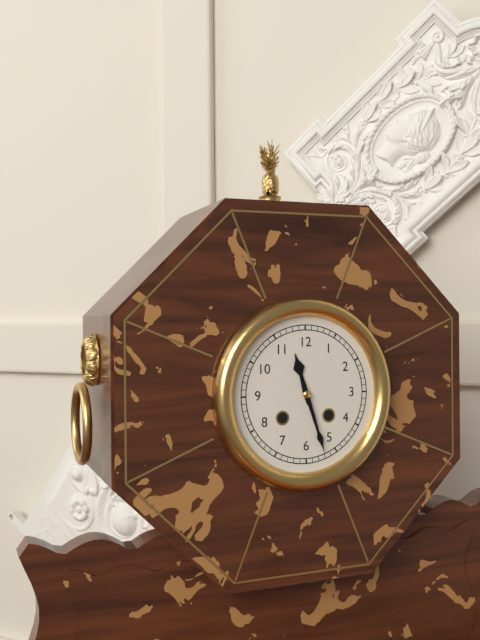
11:27
